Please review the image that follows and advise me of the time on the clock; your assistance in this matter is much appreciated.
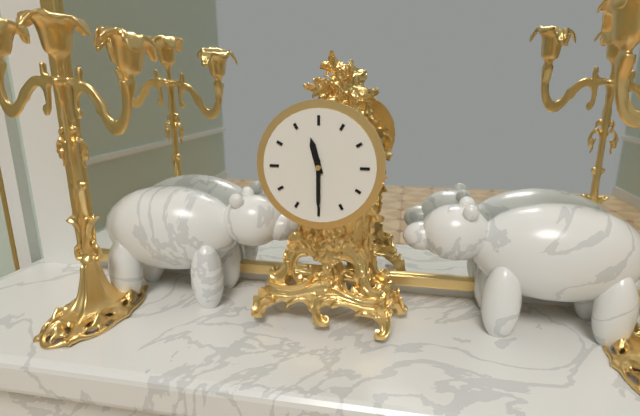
11:30
